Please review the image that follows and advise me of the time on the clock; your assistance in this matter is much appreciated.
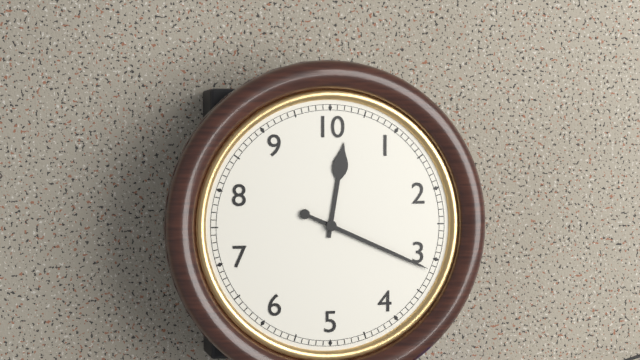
12:19
